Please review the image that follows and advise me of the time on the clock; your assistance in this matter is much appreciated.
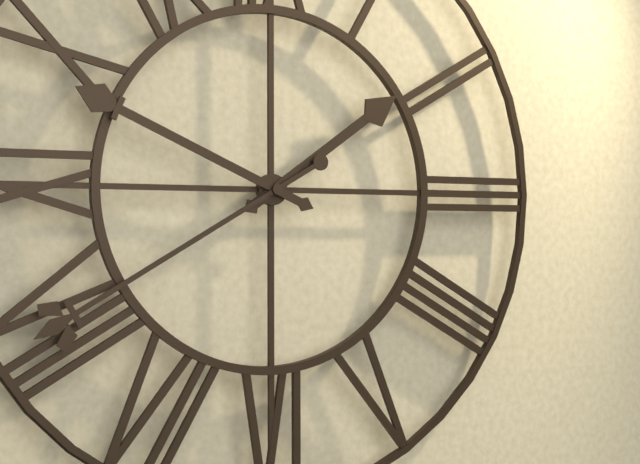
1:49:40
